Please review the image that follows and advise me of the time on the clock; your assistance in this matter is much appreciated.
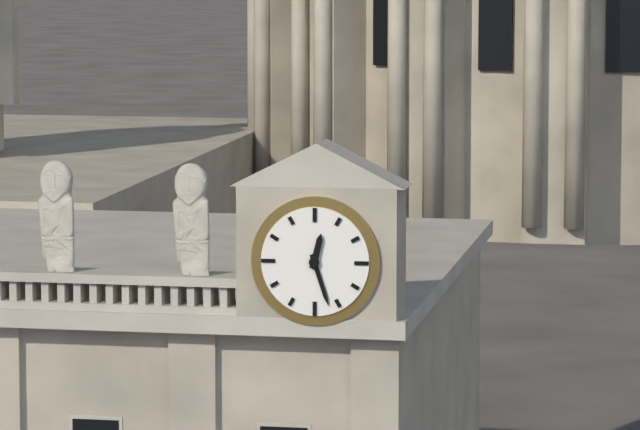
12:27
